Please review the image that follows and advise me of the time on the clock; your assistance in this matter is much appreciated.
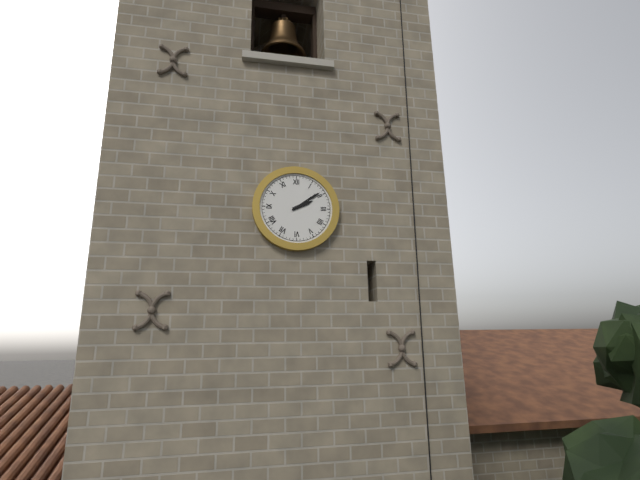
2:09
